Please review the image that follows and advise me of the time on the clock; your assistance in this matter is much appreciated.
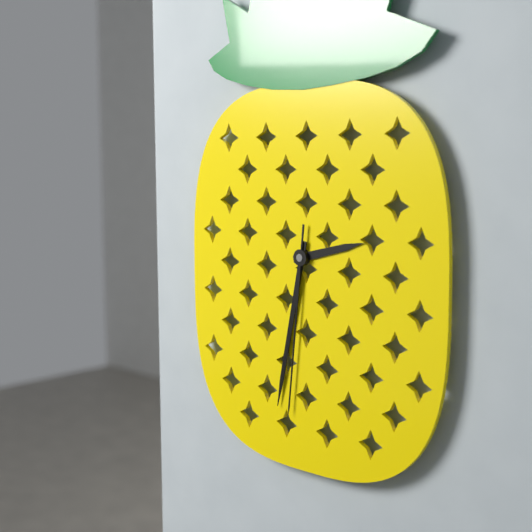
2:32:31
